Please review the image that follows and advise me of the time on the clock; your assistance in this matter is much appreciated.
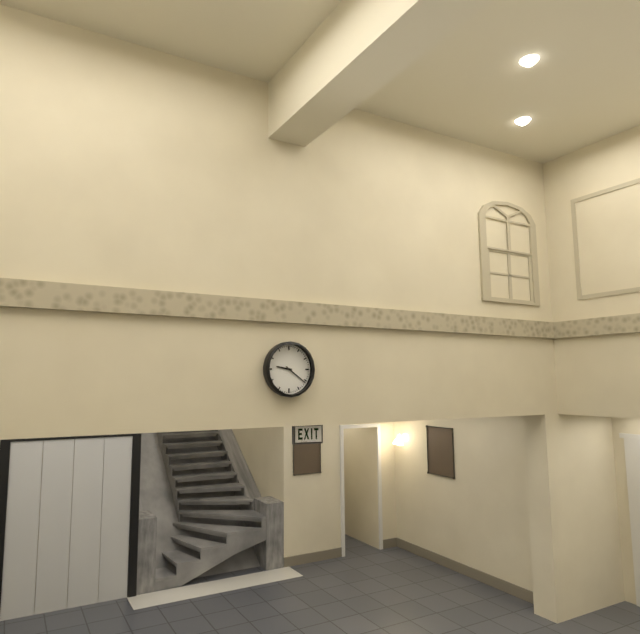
9:21
